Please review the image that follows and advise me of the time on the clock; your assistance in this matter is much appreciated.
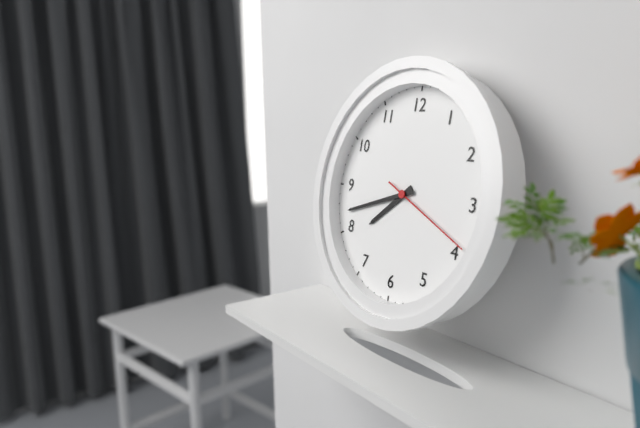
7:42:19
